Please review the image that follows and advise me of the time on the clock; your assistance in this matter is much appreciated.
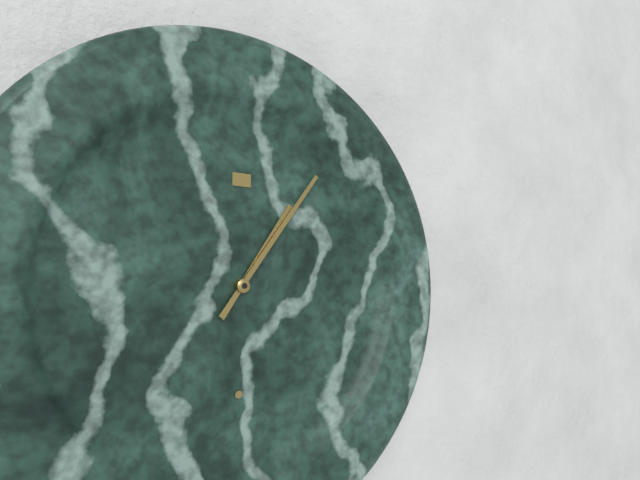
1:06
